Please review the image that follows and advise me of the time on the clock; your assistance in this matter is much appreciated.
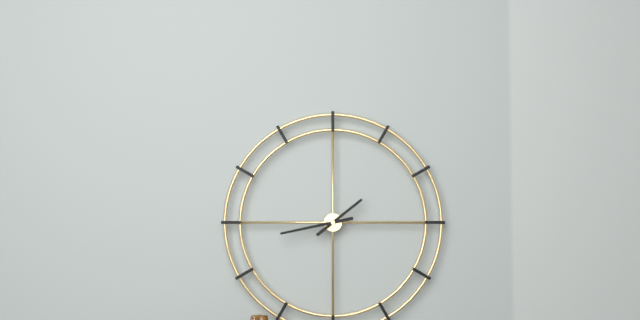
1:43
